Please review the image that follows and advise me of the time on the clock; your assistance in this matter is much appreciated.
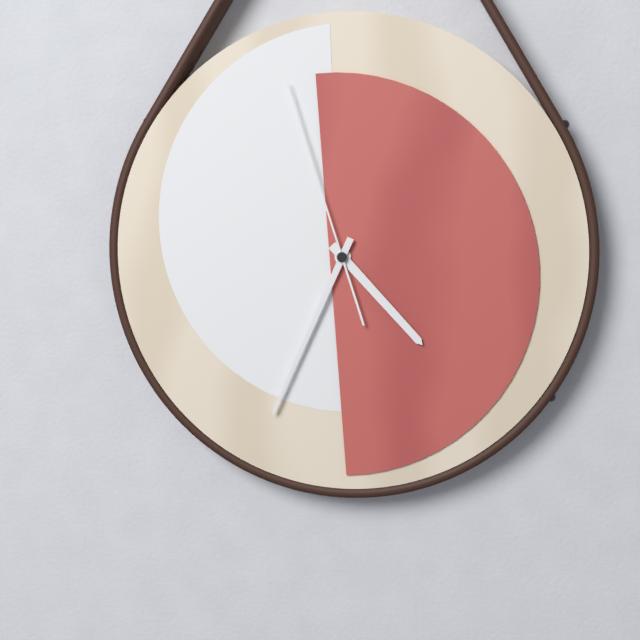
4:34:57
